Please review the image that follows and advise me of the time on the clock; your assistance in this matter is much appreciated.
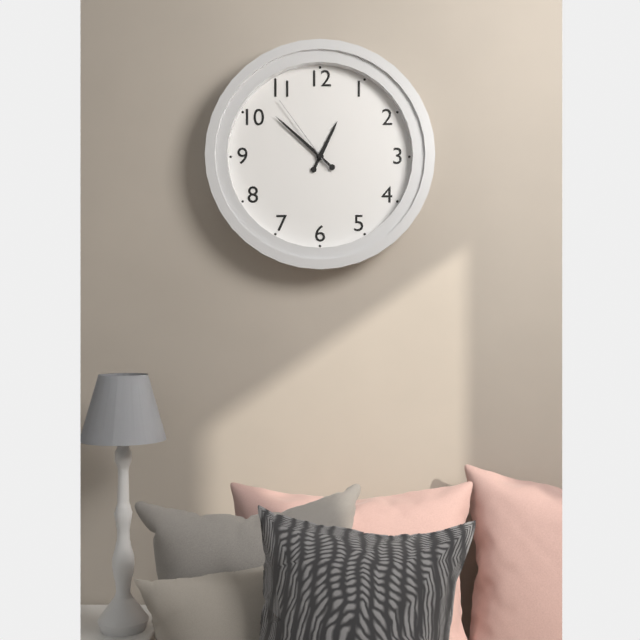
12:52:54
